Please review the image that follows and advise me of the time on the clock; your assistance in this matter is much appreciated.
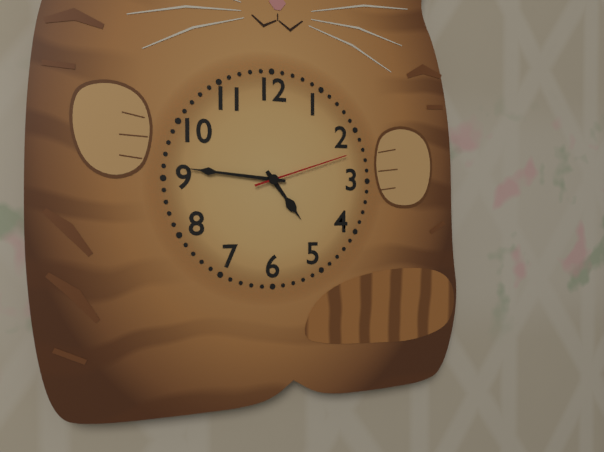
4:46:12
